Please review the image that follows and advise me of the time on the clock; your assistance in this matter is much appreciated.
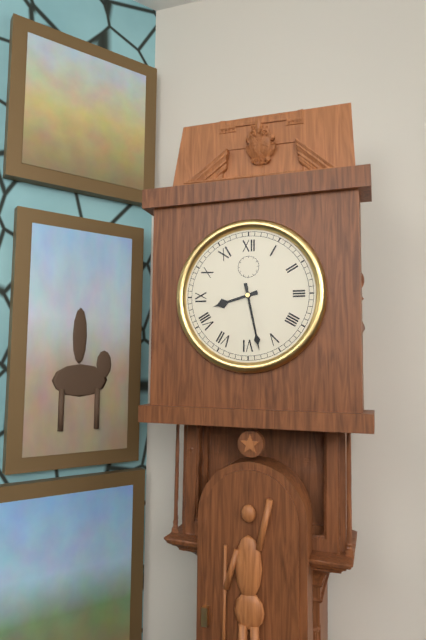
8:28
